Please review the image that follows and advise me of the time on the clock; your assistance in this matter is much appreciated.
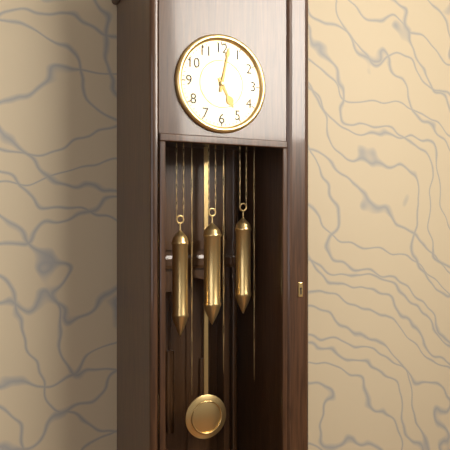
5:02
